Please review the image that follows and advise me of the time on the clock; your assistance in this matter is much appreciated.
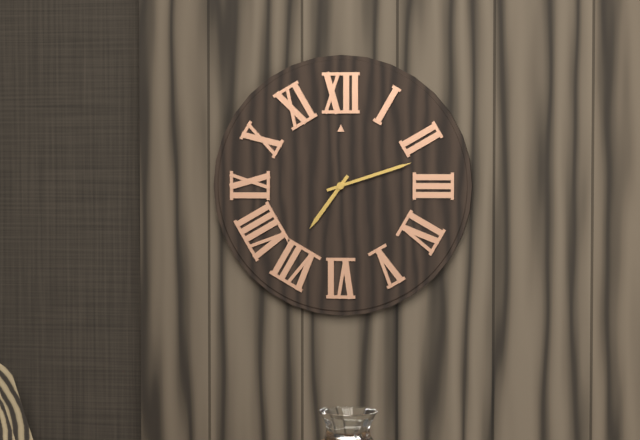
7:12
